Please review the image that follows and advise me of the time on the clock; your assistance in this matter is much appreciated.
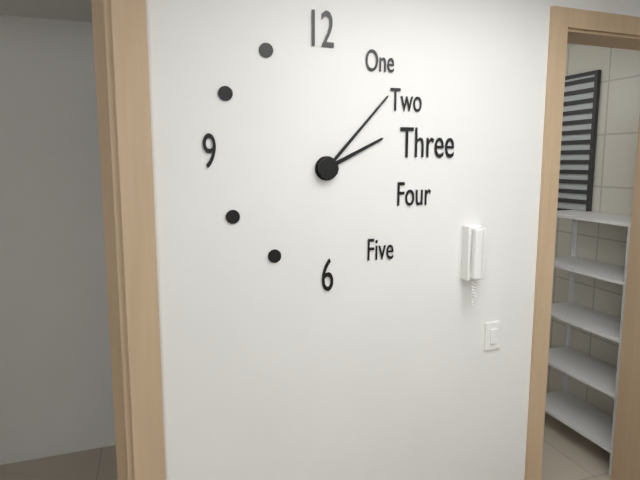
2:07
